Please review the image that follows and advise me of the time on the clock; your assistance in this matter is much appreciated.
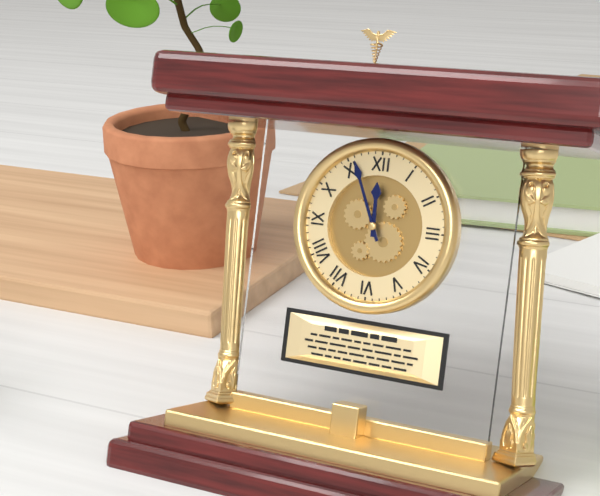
11:56
